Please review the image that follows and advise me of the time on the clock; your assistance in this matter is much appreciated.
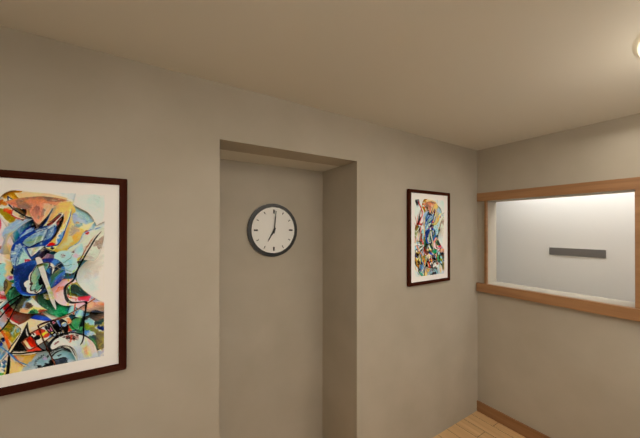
7:01
